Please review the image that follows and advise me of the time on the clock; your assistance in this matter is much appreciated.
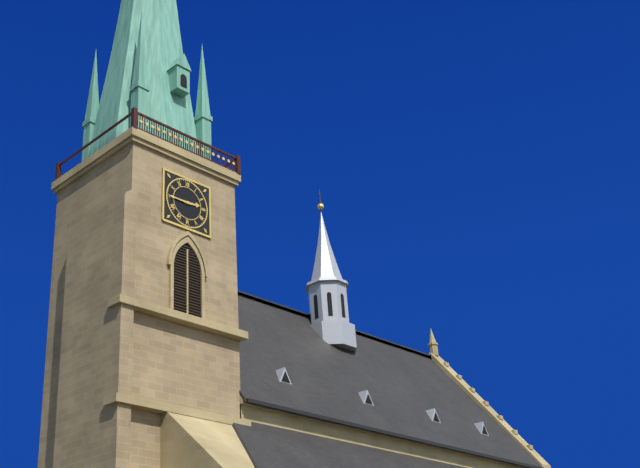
2:45
